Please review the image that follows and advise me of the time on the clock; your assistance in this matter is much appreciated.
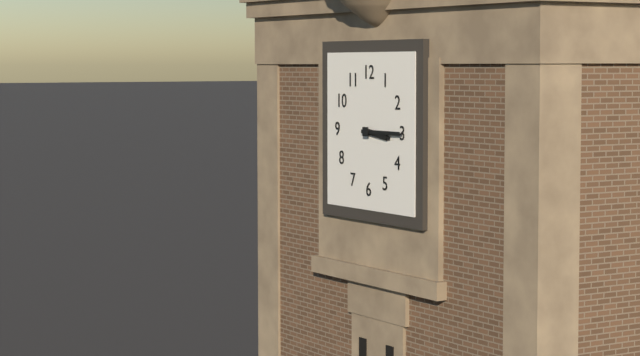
3:15
